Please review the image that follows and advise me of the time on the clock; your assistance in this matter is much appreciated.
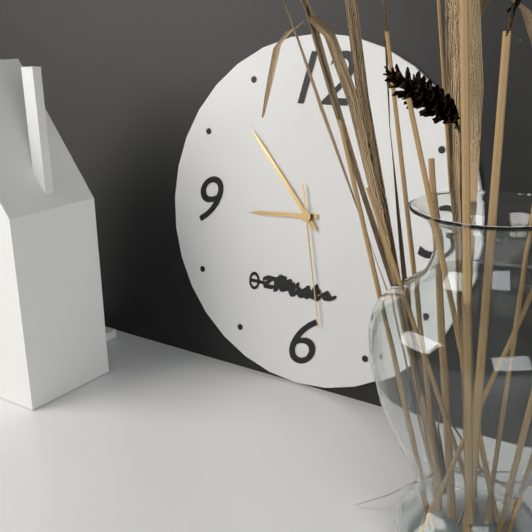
8:53:28
